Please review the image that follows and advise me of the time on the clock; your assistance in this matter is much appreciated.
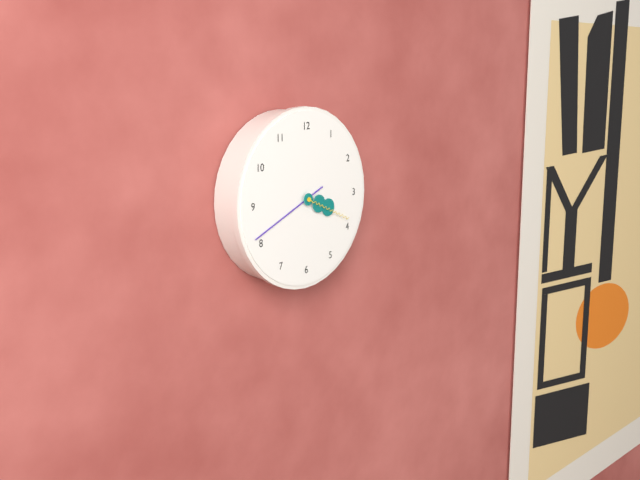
3:41:19
